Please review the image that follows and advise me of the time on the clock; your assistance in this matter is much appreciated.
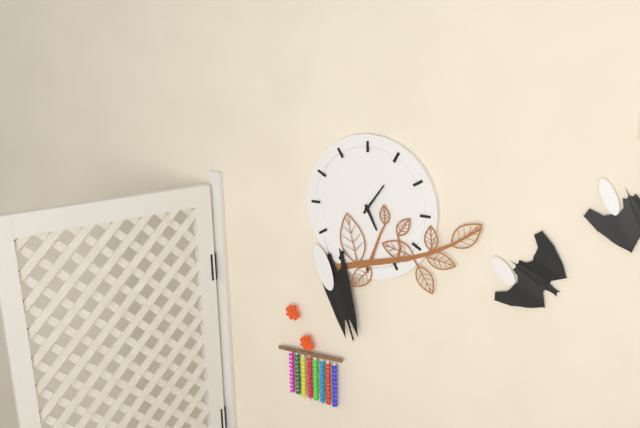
5:06
